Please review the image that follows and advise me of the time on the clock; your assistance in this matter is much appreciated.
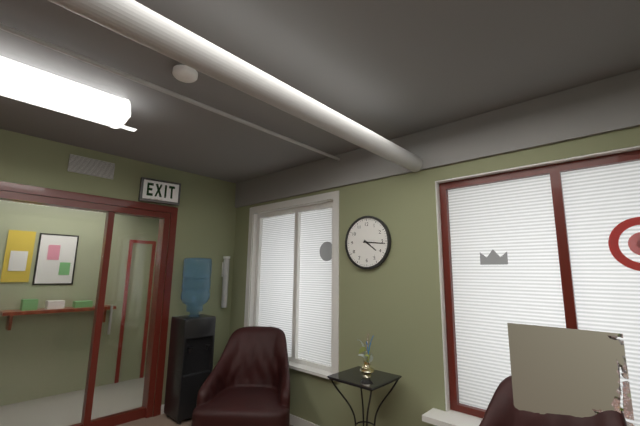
4:16
